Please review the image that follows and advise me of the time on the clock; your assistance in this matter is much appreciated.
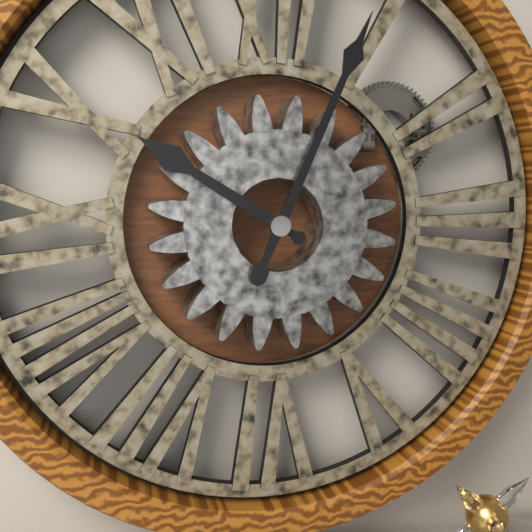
10:04
